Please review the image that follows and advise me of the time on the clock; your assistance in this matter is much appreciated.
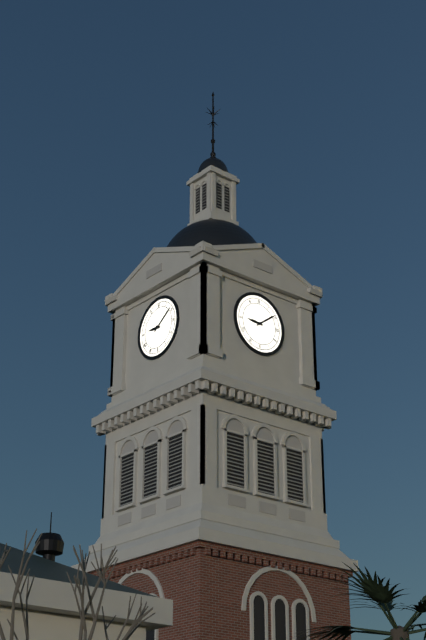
9:09
